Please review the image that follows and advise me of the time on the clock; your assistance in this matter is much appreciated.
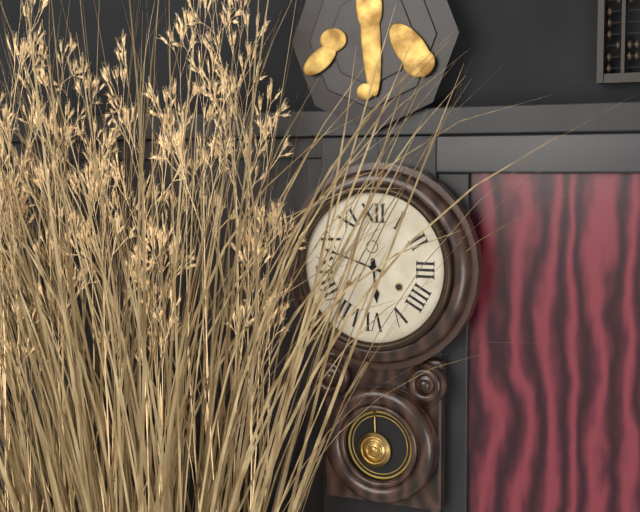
5:48
